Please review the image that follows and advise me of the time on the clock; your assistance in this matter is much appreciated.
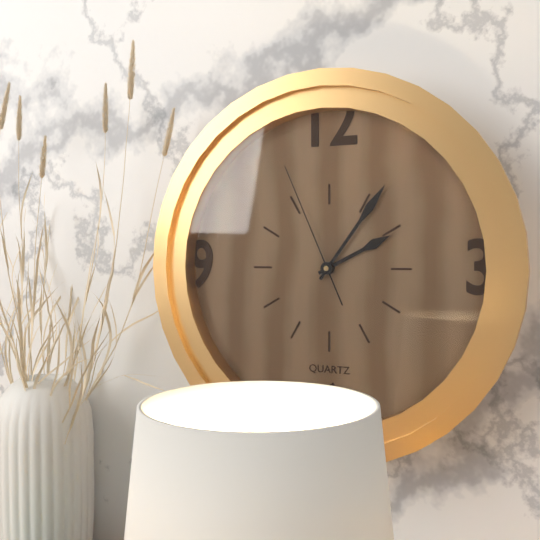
2:06:56
